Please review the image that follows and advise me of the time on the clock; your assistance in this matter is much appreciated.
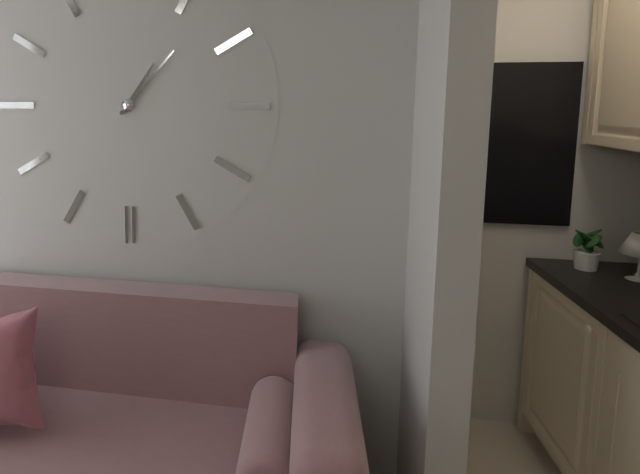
1:07
